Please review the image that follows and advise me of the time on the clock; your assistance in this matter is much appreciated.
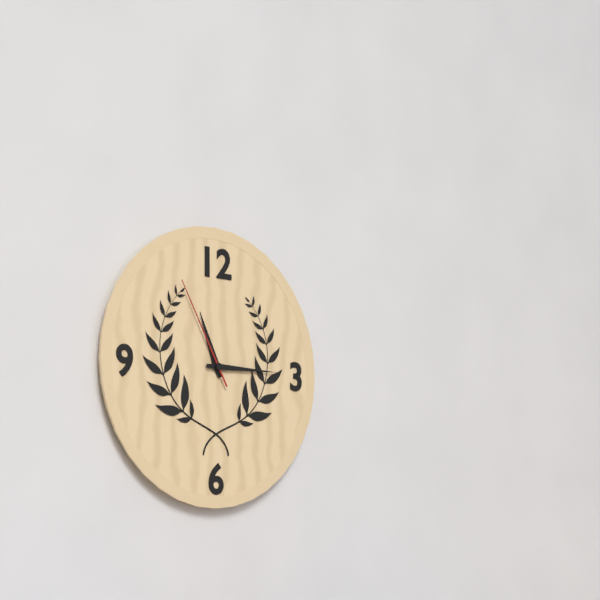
11:15:55
